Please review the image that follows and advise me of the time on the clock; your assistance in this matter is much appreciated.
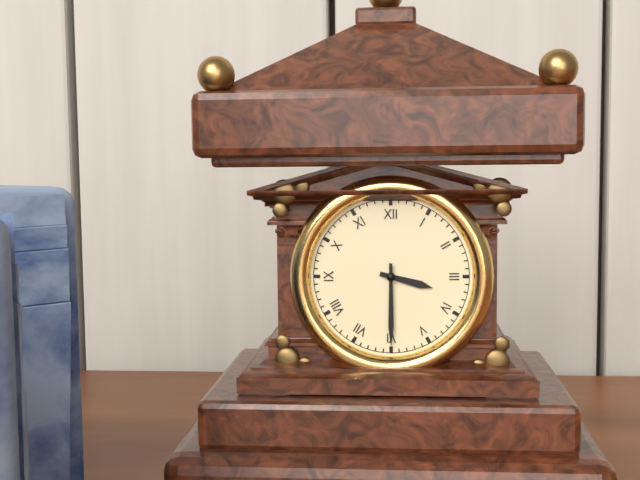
3:30
